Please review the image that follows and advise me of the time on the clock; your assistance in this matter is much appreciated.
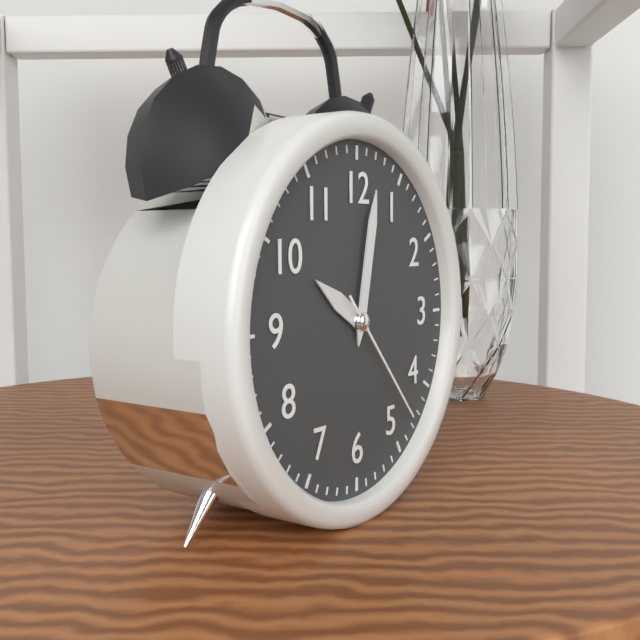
10:02:23
